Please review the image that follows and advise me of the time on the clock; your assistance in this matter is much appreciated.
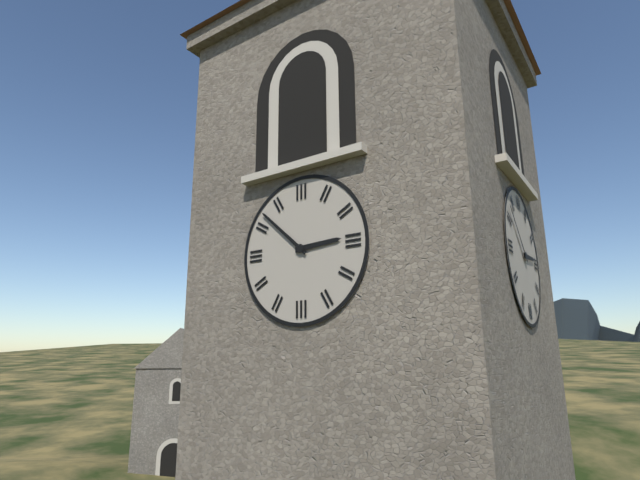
2:52
